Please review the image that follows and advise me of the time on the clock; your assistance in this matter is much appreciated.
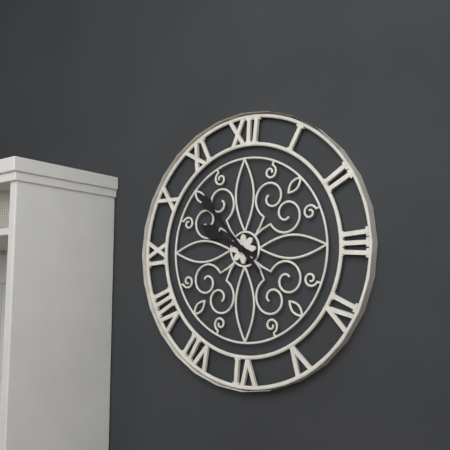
9:53
